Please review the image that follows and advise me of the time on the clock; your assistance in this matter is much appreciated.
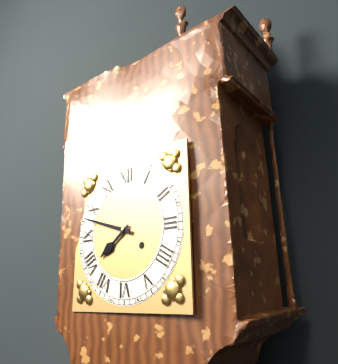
7:48
